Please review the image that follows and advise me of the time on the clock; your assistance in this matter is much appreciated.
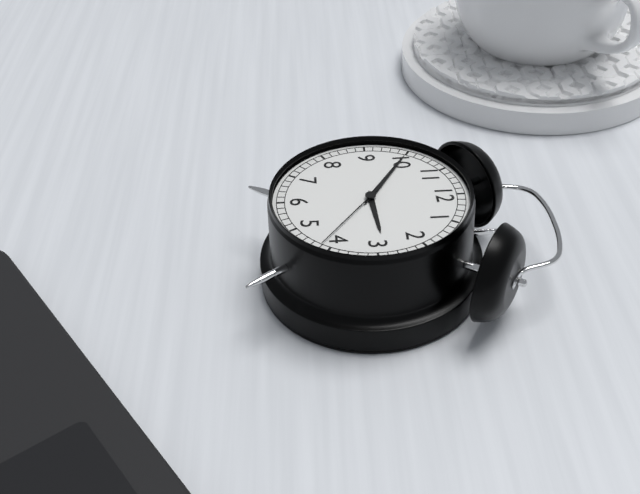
2:50:21
